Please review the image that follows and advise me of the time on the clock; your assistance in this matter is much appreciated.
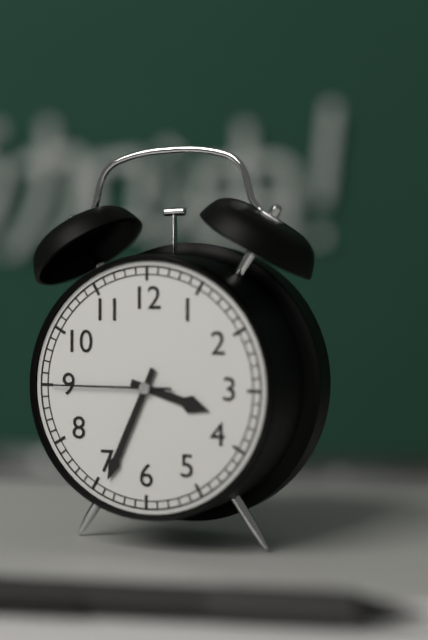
3:34:45
